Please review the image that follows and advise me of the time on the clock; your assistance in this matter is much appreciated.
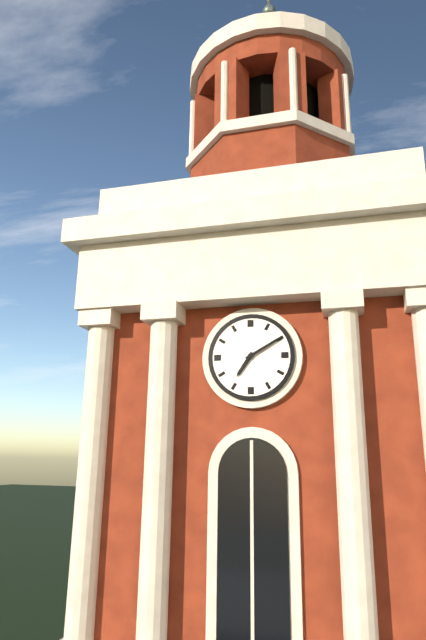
7:10
